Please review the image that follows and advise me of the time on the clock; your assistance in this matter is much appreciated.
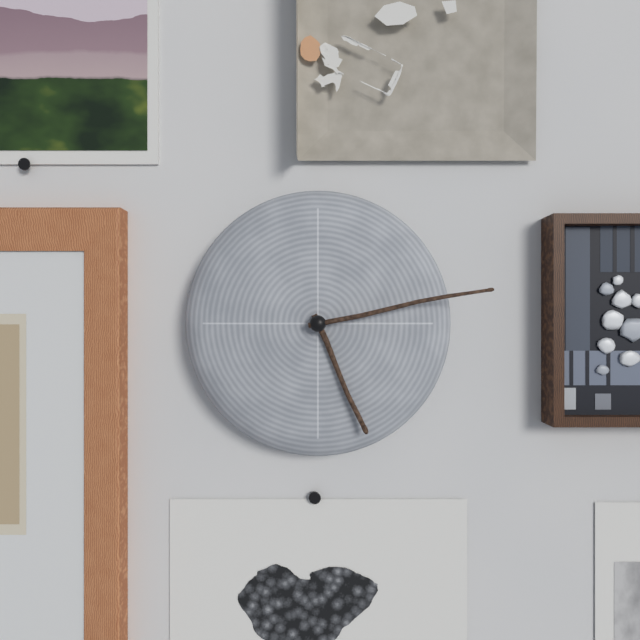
5:13
